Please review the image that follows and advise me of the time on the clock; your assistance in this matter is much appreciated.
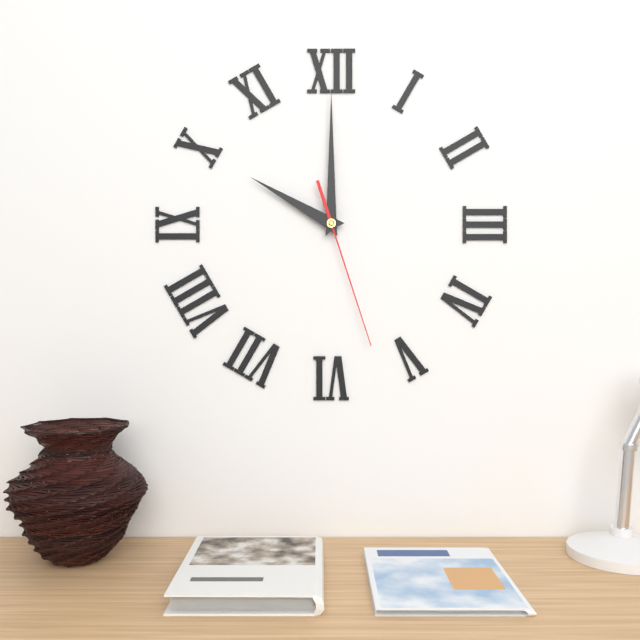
10:00:27
